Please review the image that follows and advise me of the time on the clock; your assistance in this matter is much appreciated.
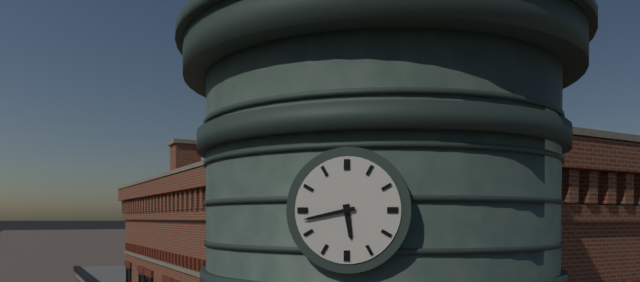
5:43
